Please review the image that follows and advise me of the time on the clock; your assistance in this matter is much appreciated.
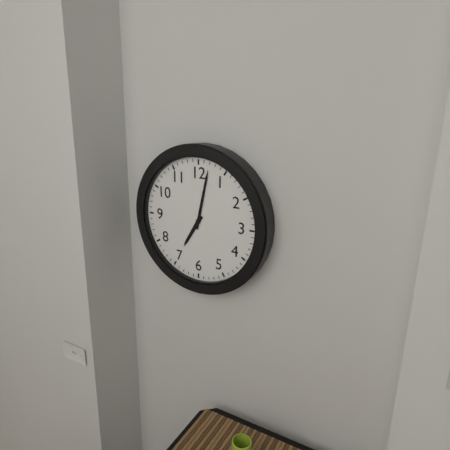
7:02
